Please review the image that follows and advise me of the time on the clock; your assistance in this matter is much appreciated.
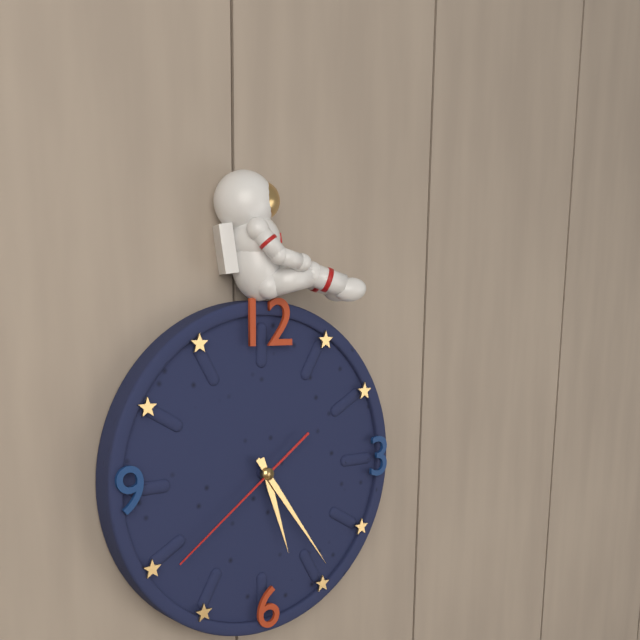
5:24:39
